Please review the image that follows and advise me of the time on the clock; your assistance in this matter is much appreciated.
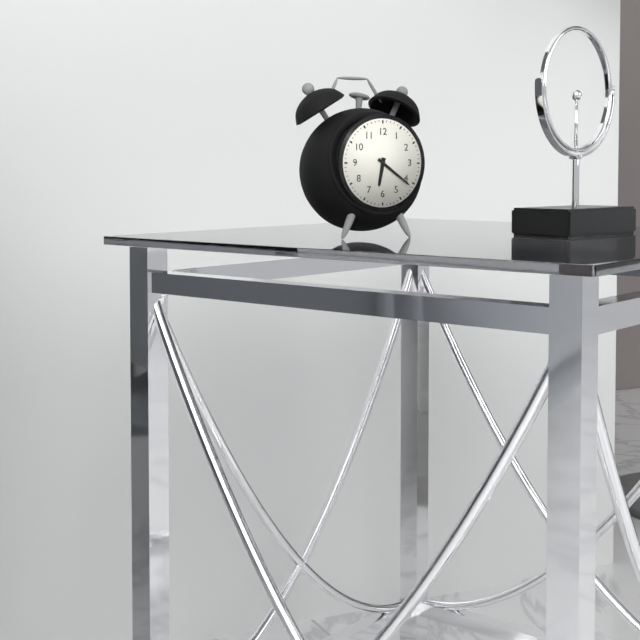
6:21
